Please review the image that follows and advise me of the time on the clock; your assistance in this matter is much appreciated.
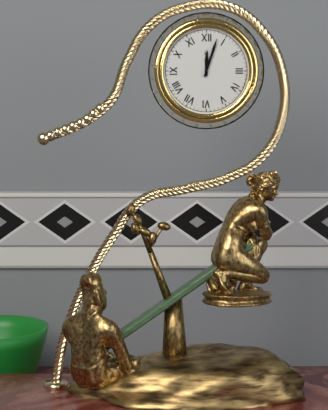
12:03
